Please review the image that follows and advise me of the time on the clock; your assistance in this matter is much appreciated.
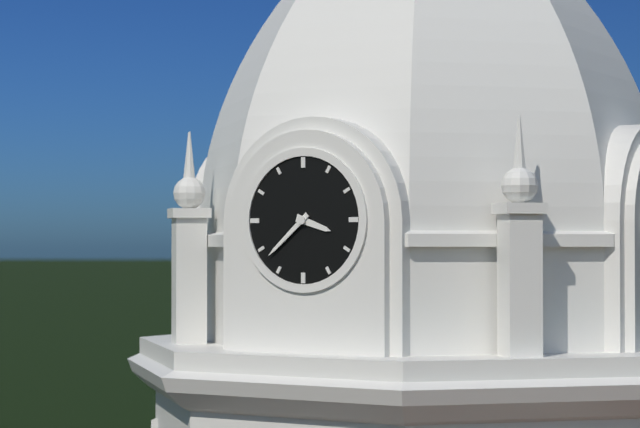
3:38
